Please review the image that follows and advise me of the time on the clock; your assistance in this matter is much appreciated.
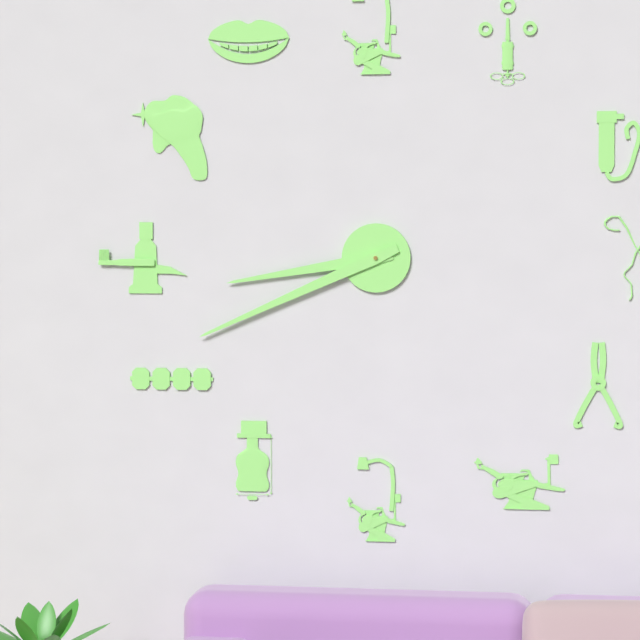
8:41
